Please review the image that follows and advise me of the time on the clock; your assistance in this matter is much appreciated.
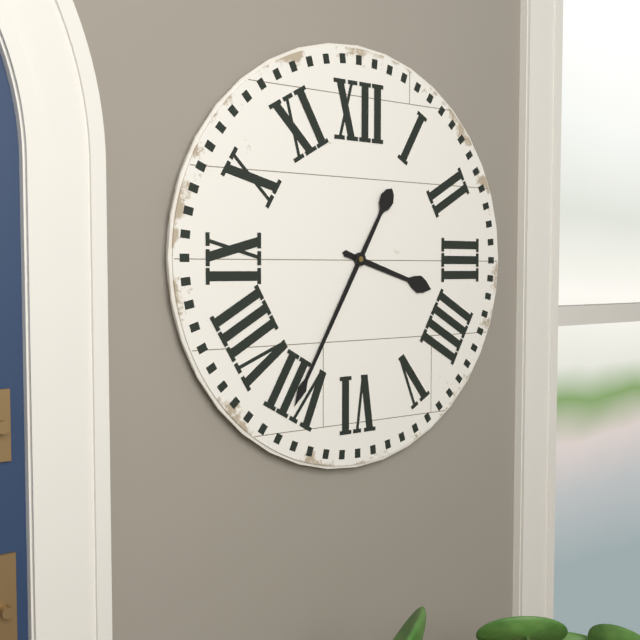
3:35
